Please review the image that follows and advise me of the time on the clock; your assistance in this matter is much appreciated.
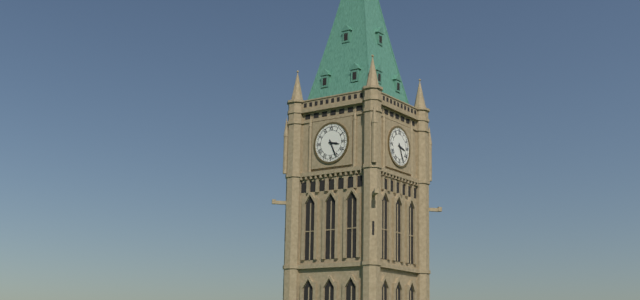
3:26
